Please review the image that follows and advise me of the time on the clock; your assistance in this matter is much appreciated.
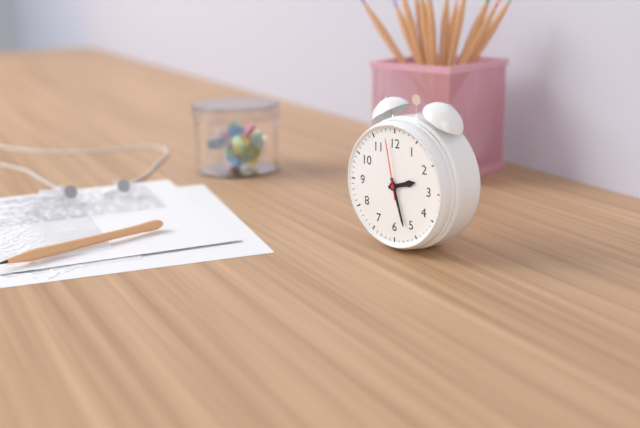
2:27:58
